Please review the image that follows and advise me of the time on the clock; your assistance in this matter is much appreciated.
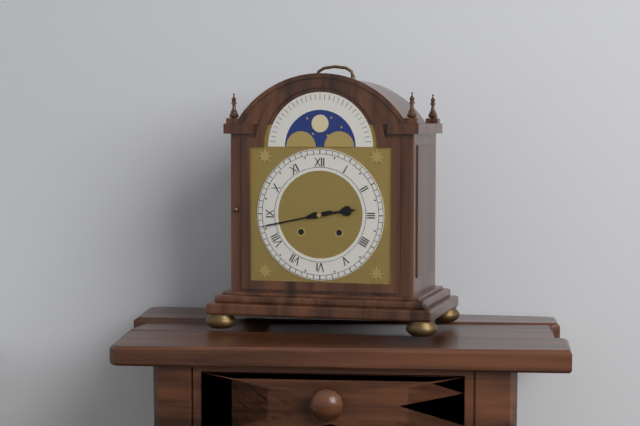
2:43
